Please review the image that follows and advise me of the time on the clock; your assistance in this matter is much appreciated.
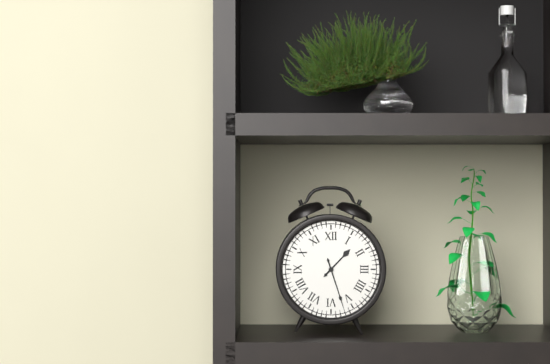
1:27
